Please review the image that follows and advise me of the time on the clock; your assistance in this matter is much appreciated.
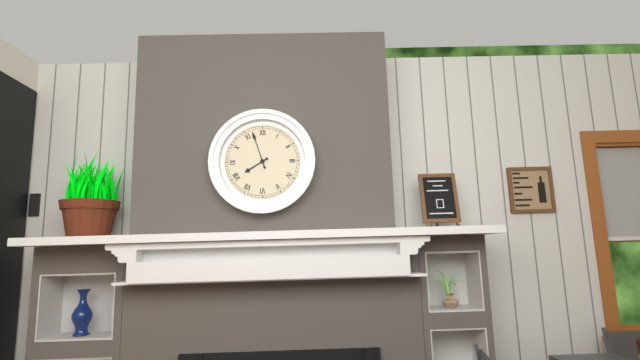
7:57
